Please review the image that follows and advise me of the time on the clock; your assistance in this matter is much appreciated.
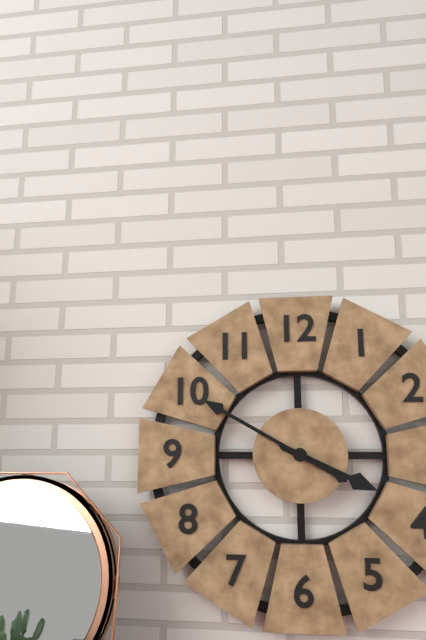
3:50
